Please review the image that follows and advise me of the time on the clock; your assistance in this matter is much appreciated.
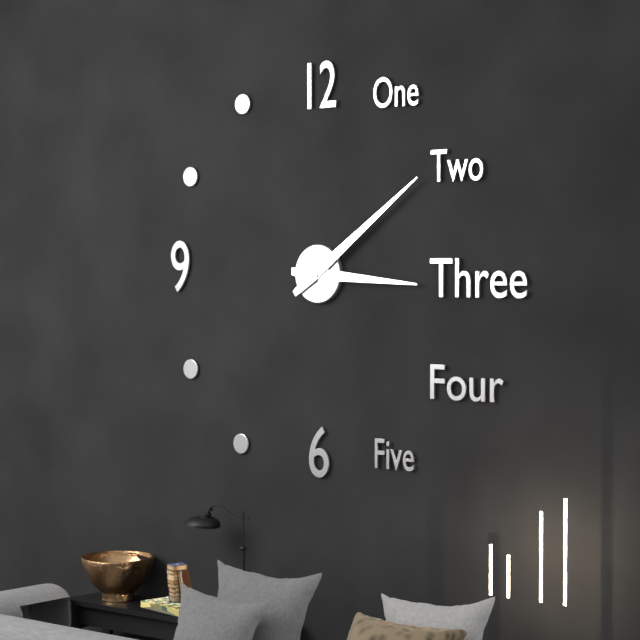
3:09
